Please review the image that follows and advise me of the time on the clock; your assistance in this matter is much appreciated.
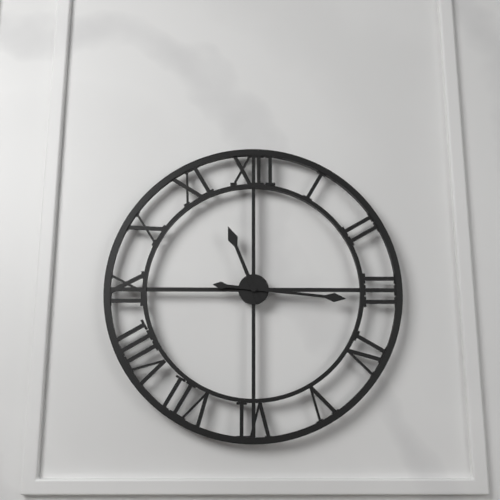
11:16
